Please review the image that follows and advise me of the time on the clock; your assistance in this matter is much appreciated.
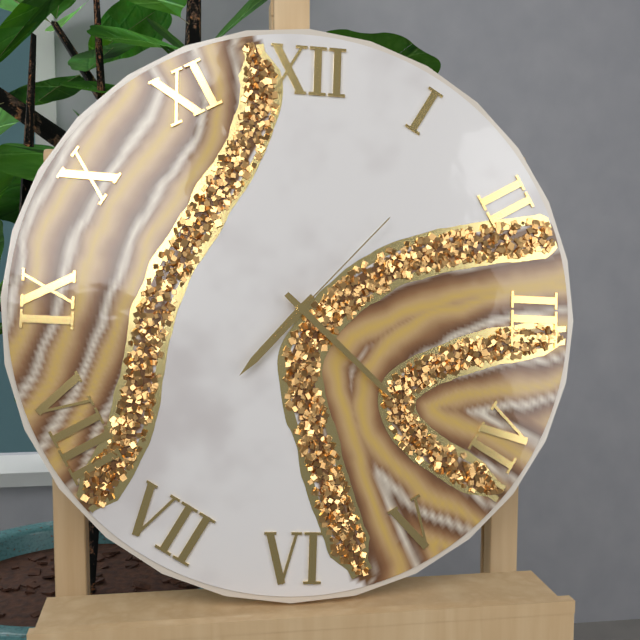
7:22:07
